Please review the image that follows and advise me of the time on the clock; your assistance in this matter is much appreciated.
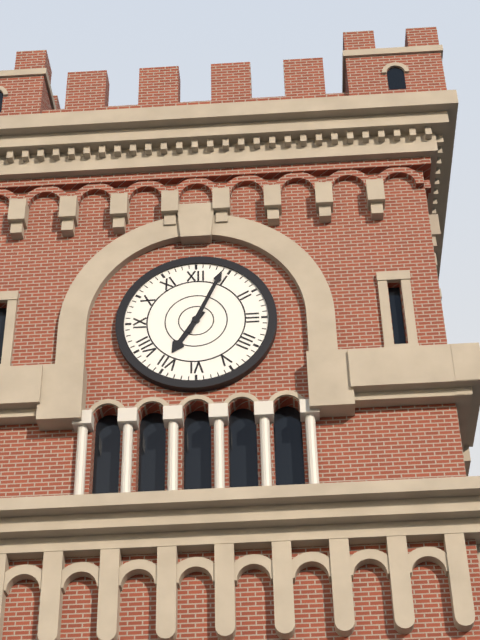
7:04
